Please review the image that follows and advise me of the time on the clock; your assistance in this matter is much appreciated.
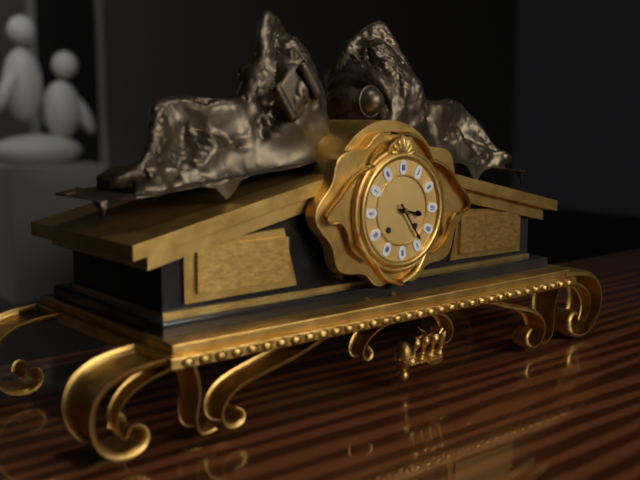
3:24
